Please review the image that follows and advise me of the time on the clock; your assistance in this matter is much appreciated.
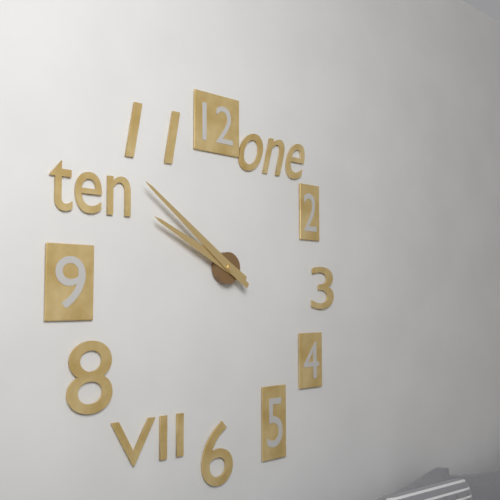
9:51
